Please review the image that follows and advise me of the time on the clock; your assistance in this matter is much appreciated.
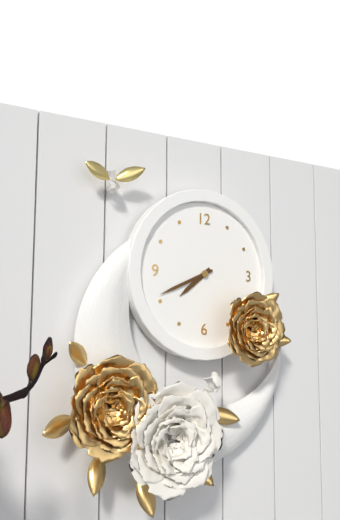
7:41
